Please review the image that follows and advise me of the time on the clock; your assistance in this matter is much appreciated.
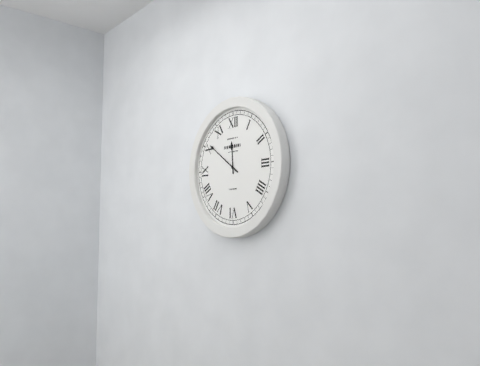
11:51
